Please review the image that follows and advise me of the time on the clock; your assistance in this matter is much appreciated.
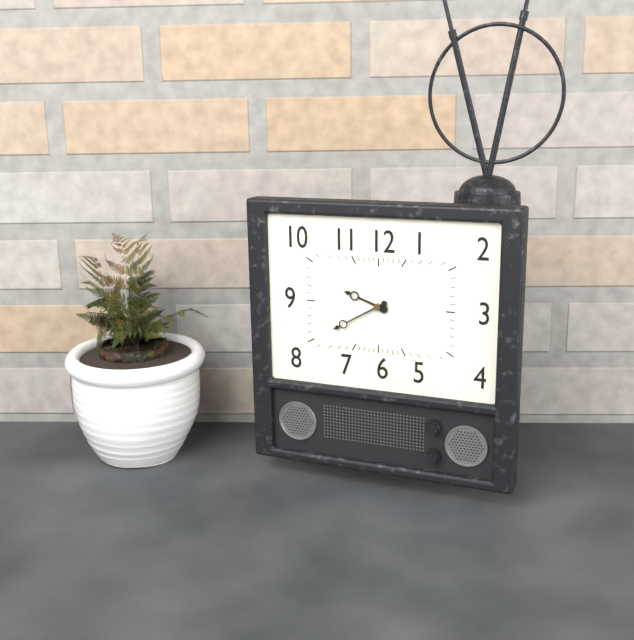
9:40
